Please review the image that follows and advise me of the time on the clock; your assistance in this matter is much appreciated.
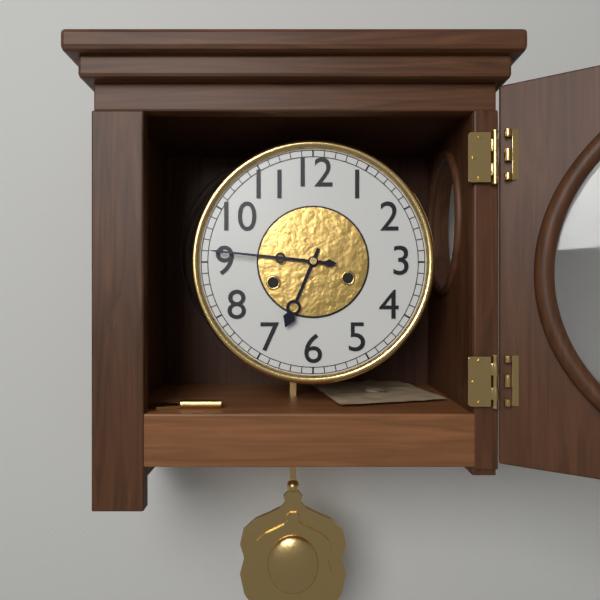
6:46
